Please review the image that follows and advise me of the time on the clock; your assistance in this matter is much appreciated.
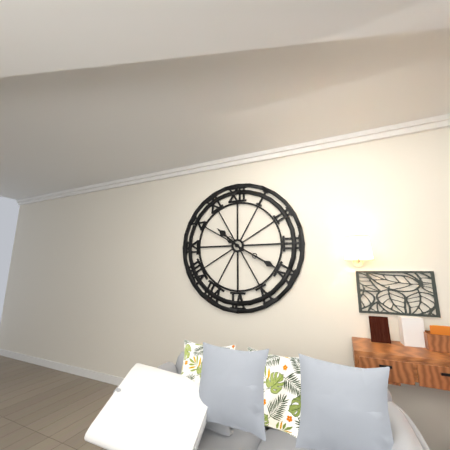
10:20
